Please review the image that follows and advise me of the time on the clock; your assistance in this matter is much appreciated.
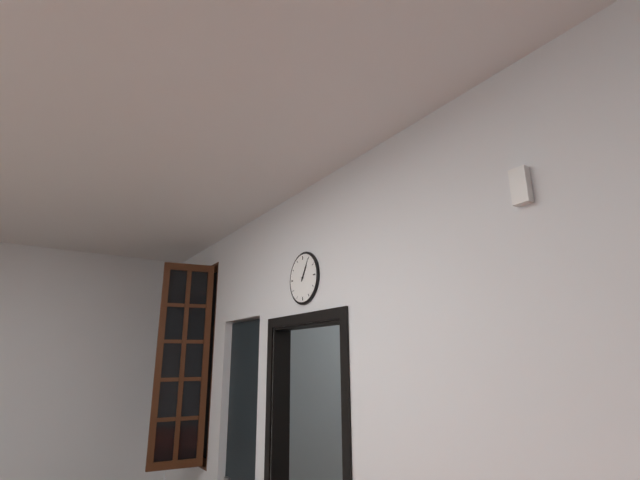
1:05
